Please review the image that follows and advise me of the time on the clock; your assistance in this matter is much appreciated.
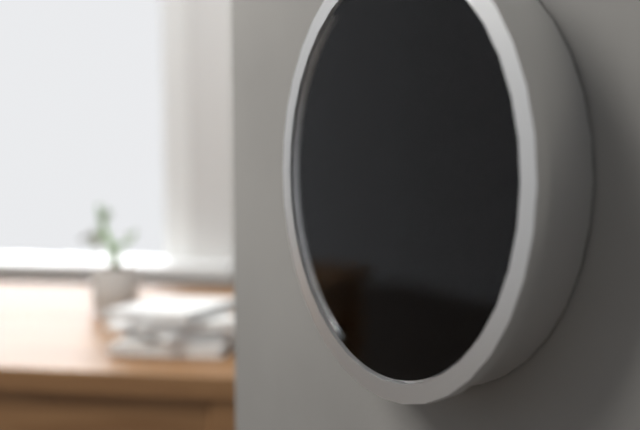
8:27
